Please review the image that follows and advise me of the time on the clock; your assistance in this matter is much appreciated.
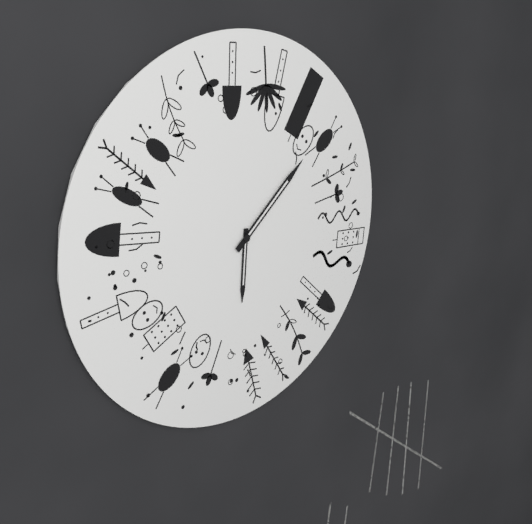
6:08
